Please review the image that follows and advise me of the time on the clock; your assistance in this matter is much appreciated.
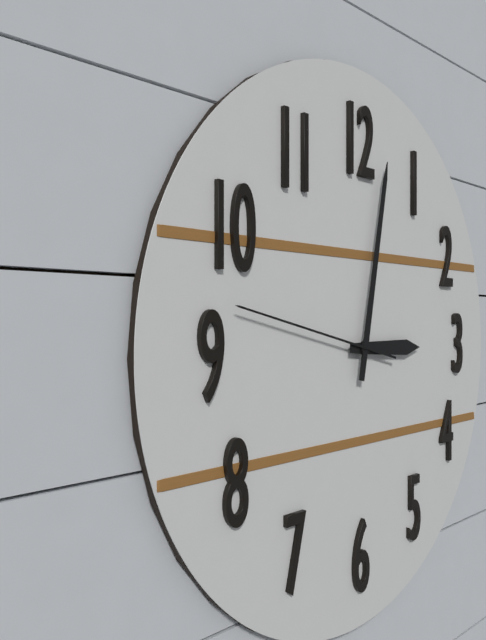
3:02:47
